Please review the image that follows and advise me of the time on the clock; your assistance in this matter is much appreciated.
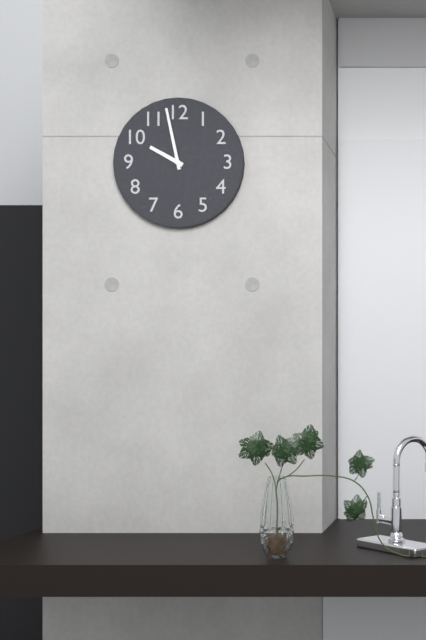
9:58
